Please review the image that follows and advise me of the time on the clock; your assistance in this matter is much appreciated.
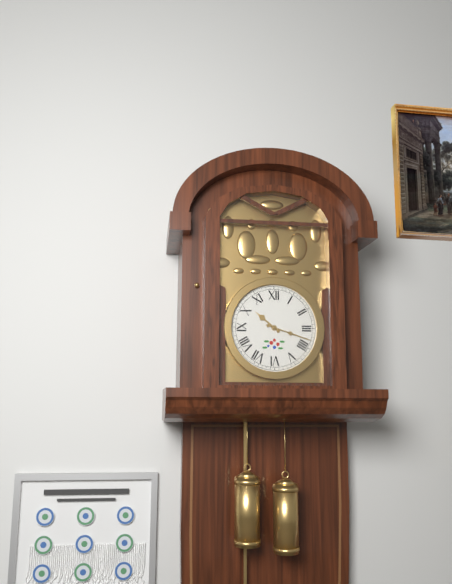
10:18
